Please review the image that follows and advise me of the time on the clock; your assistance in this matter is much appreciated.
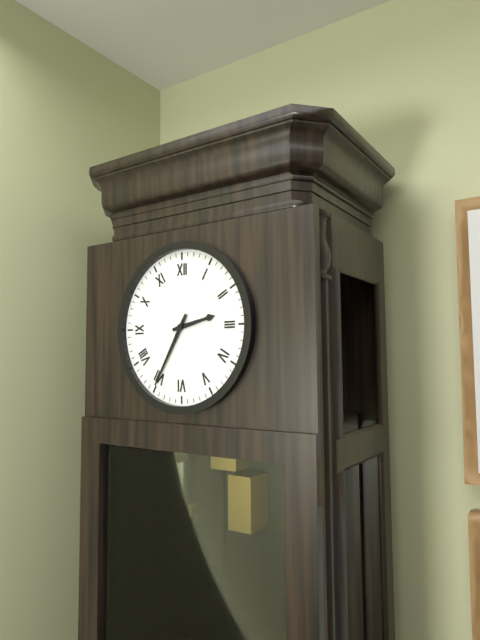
2:35
